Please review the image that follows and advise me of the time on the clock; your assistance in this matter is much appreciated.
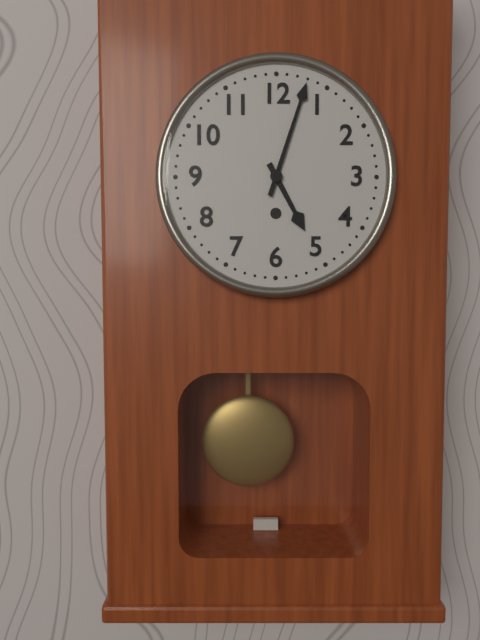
5:03
